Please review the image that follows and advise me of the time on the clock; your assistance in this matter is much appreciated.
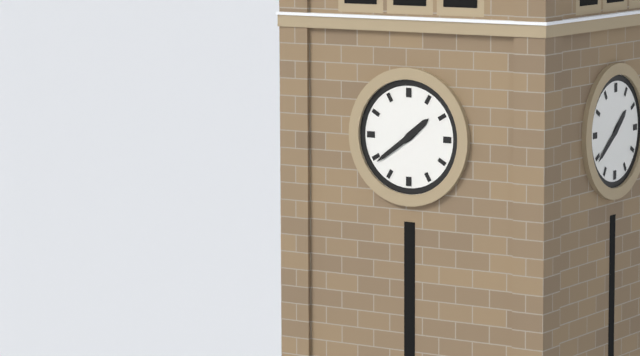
1:39
